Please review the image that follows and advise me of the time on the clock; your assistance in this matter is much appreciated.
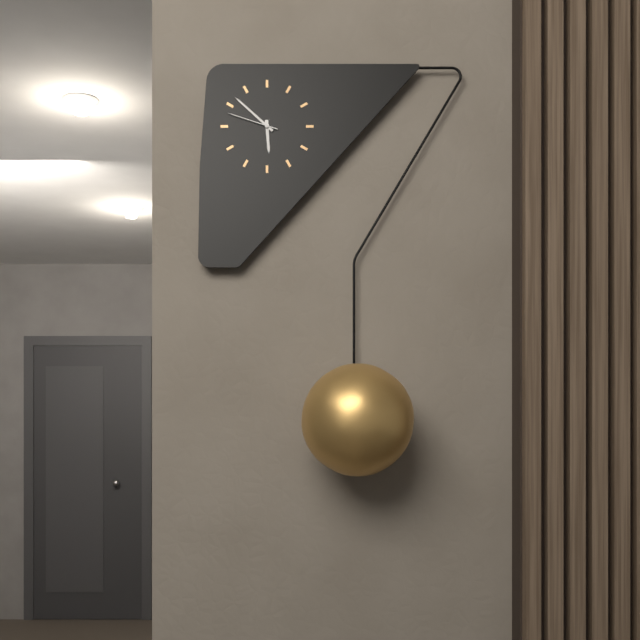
5:52:48
